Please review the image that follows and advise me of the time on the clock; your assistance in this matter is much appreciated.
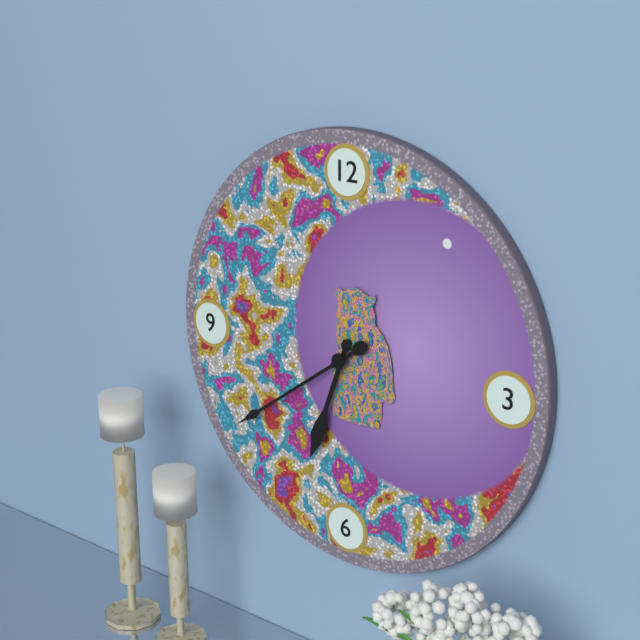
6:39
